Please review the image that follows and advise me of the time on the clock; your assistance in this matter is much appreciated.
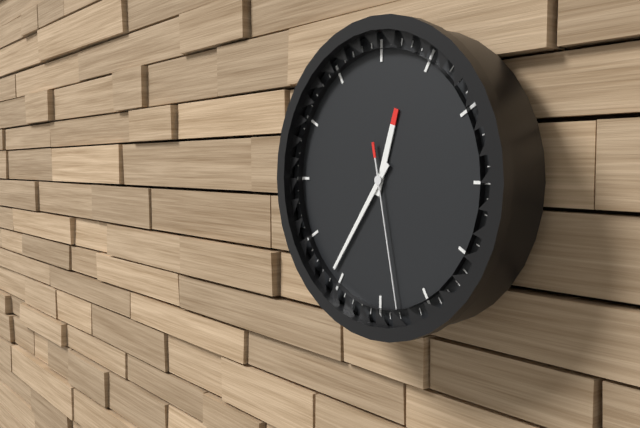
12:36:28
